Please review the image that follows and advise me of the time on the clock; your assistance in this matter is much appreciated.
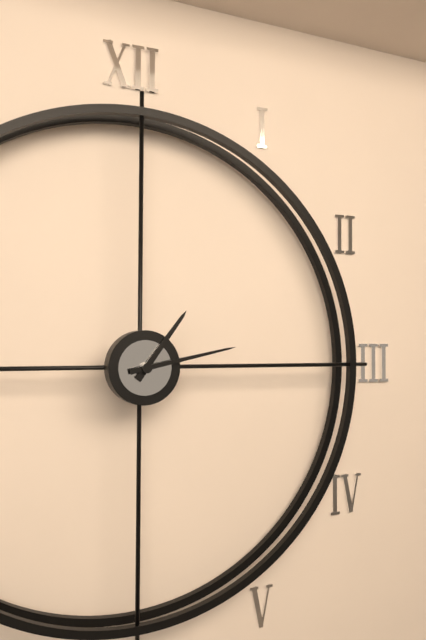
1:13
